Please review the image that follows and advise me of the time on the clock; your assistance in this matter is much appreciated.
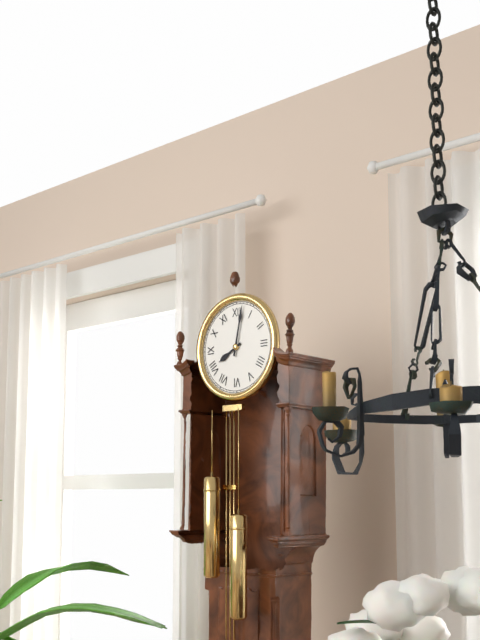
8:02
